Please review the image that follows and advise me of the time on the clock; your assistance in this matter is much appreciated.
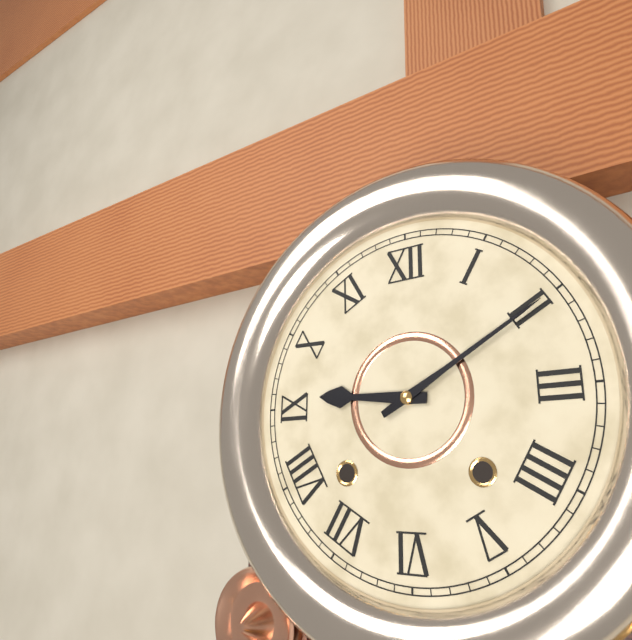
9:10
